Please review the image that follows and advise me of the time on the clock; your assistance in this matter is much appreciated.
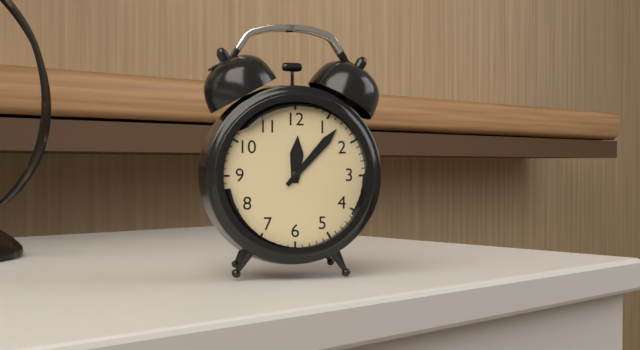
12:07
